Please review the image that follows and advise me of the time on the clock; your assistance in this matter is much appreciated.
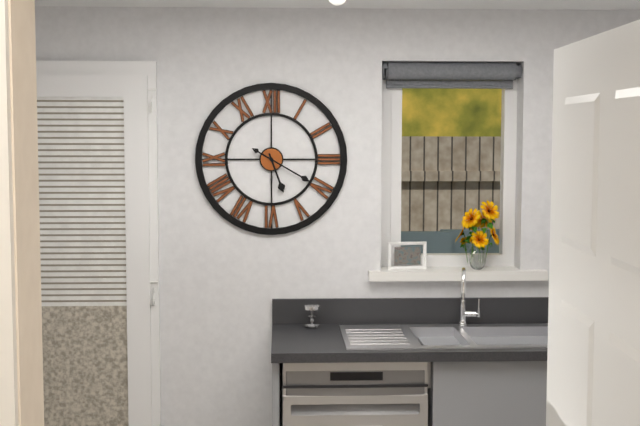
5:20
